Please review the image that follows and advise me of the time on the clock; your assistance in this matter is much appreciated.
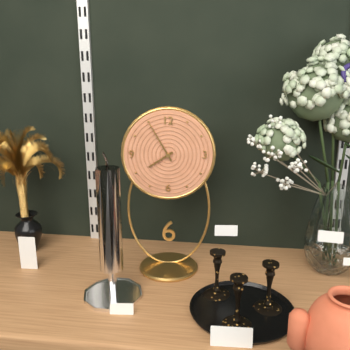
7:55
